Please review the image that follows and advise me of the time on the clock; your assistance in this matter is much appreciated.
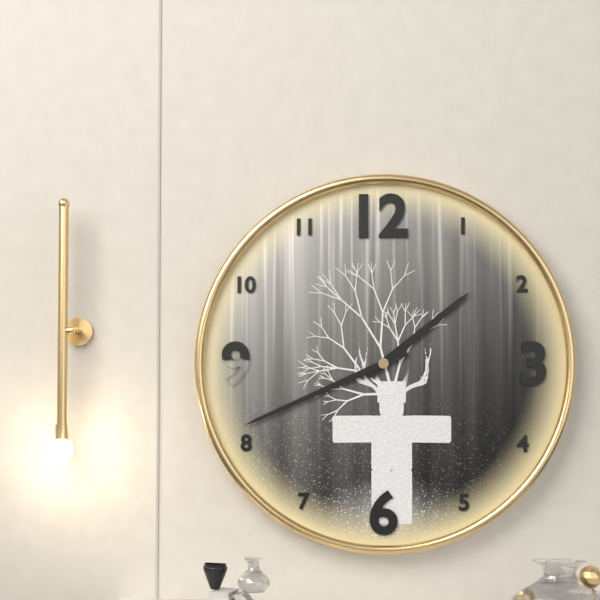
1:41
